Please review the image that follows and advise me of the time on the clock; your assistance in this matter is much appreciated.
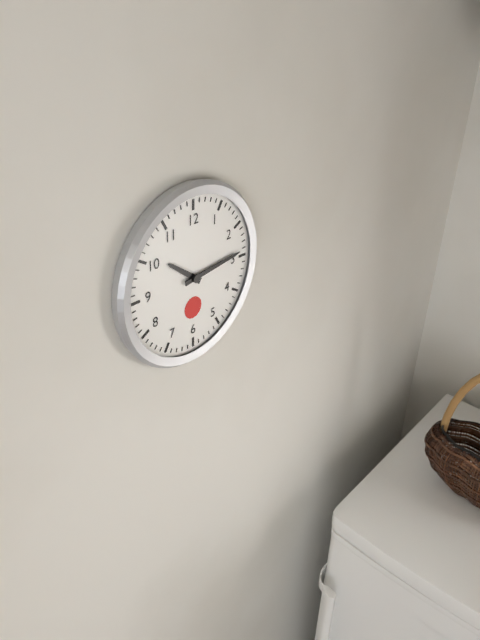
10:14
